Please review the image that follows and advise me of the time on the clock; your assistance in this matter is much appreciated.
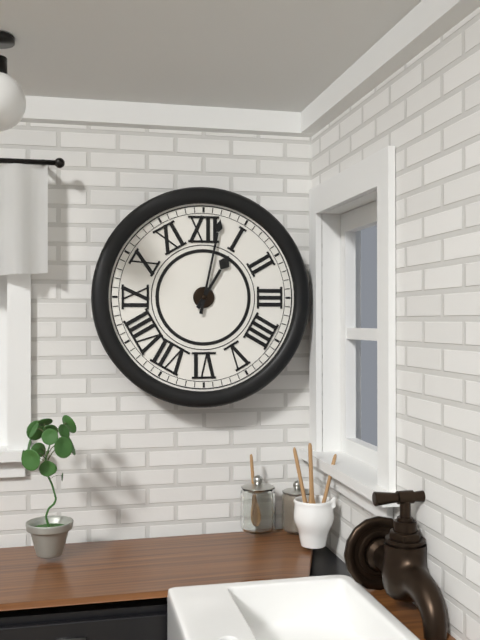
1:02
